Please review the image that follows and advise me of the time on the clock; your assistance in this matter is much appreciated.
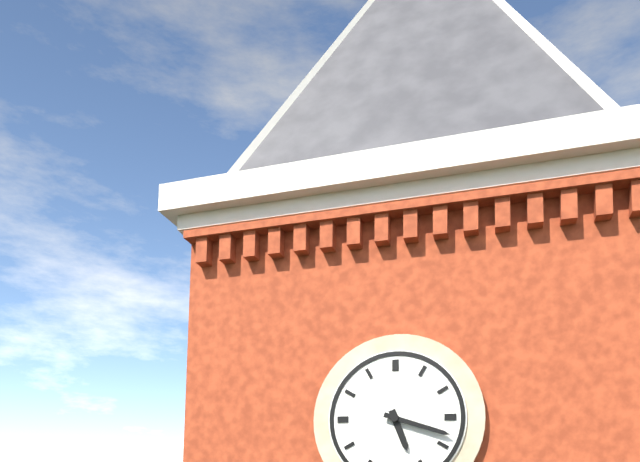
5:18
